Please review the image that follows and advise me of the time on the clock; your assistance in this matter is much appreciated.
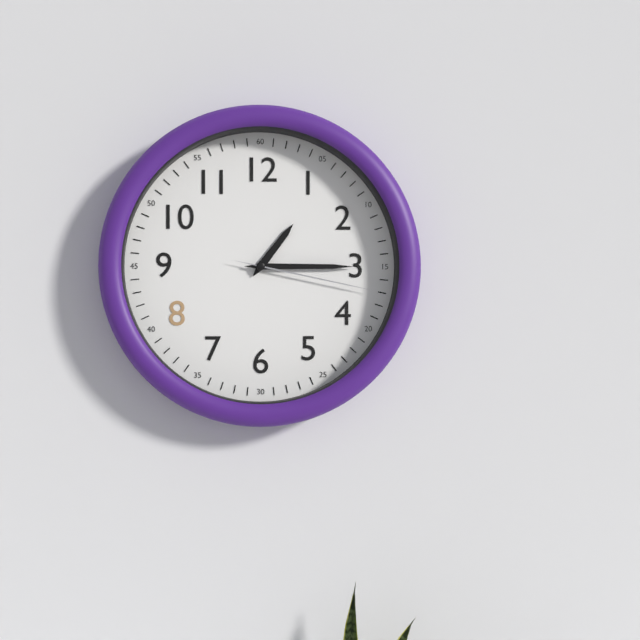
1:15:17
